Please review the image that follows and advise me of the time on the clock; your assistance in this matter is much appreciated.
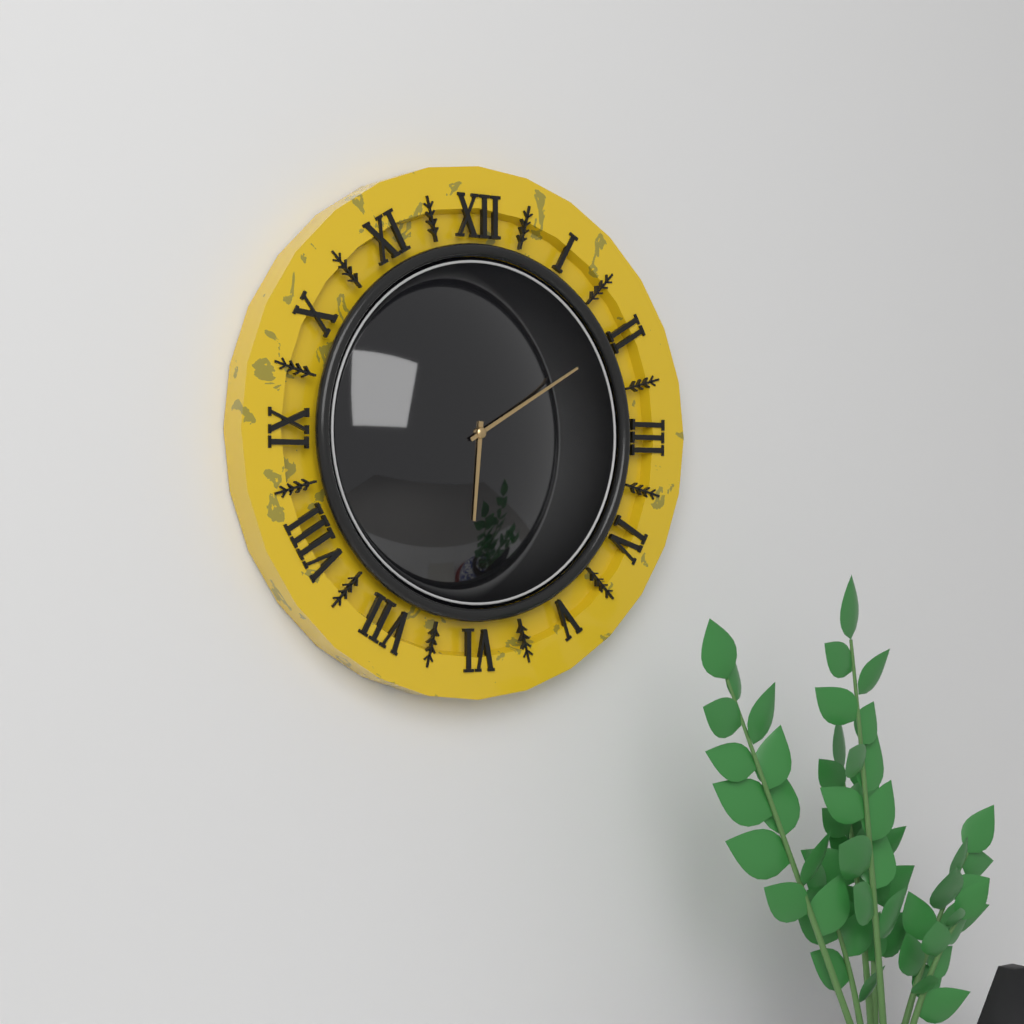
6:10
